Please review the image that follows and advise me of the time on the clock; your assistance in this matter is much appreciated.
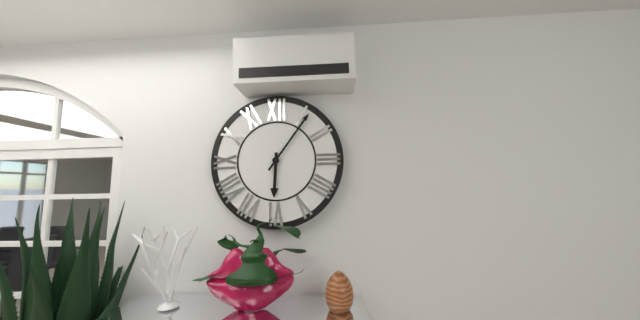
6:06
